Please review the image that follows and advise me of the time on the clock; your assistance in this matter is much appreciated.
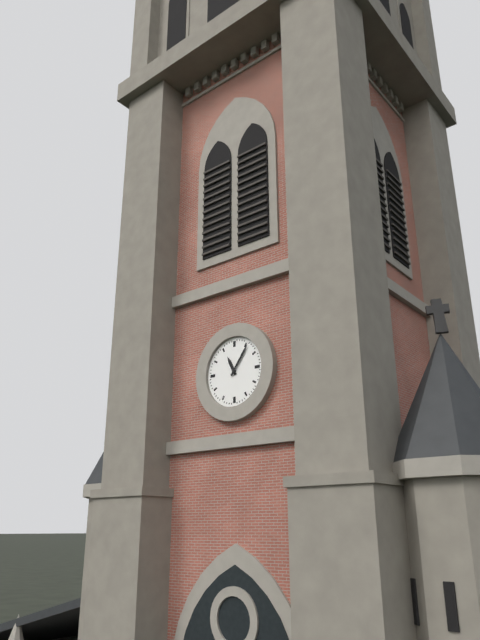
11:06
